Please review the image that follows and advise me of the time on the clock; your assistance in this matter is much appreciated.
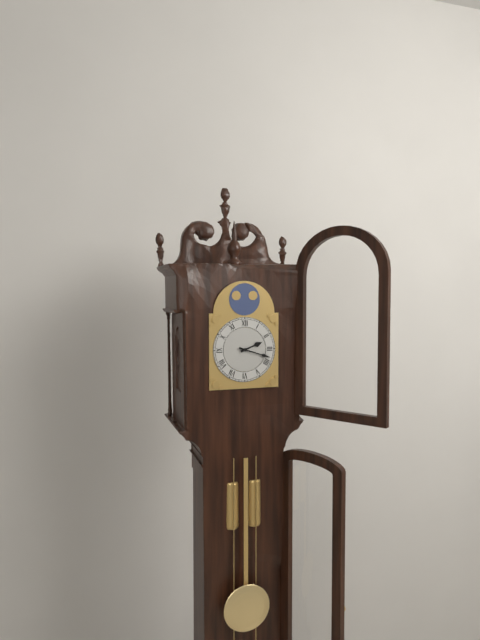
2:18
